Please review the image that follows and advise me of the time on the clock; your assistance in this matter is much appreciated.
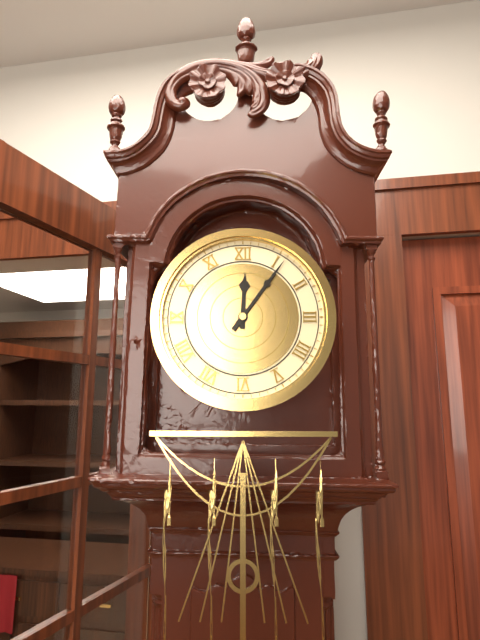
12:06
